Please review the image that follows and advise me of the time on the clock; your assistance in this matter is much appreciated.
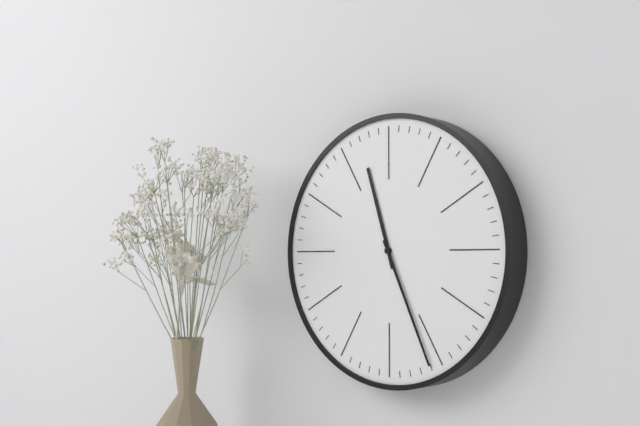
11:26
